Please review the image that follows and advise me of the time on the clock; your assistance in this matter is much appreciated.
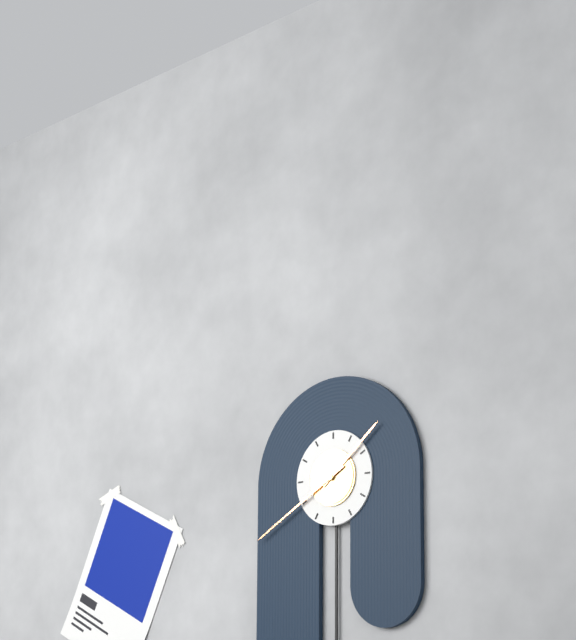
1:40
